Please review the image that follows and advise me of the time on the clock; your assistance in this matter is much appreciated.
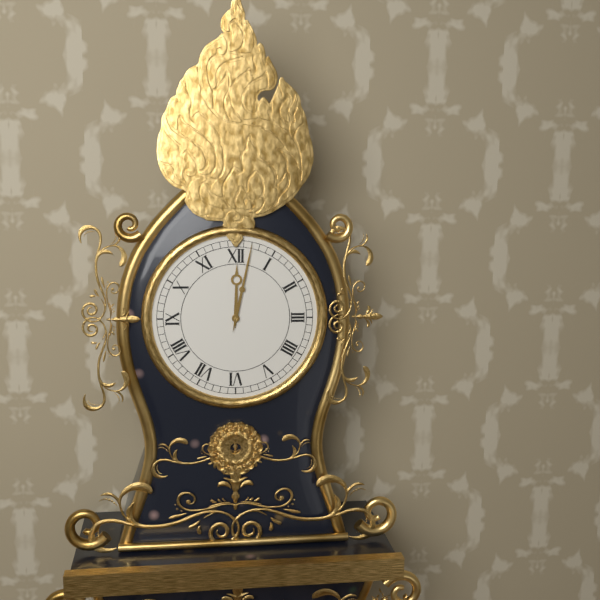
12:02
